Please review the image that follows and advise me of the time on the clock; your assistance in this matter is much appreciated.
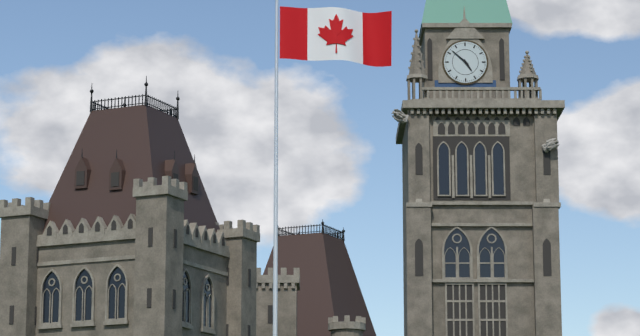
4:52
